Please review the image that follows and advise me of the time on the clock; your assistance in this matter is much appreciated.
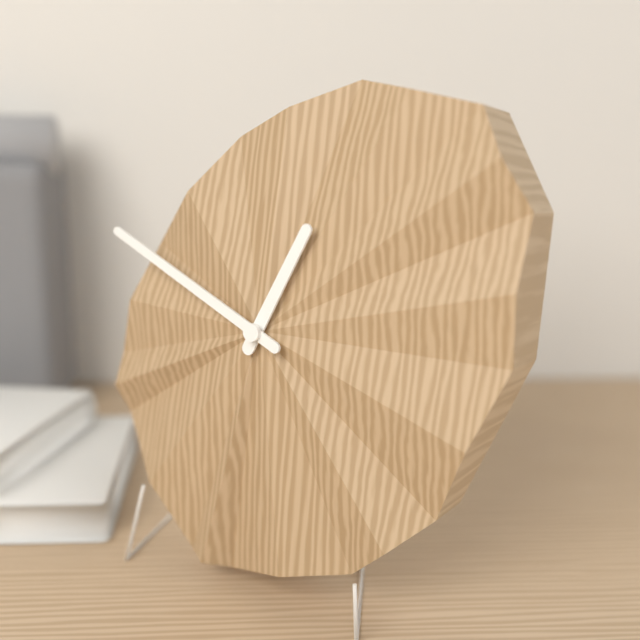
12:49
